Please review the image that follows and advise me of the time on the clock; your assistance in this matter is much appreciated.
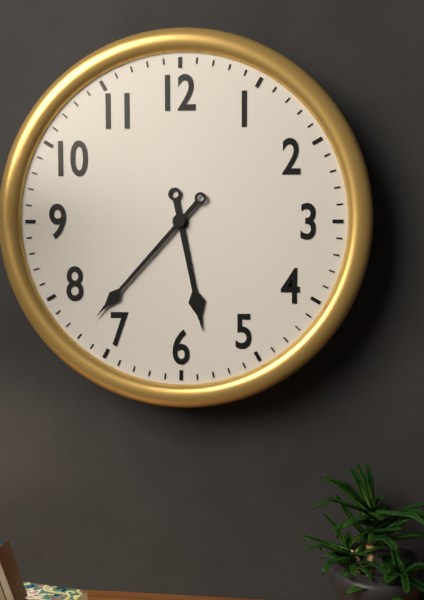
5:37
